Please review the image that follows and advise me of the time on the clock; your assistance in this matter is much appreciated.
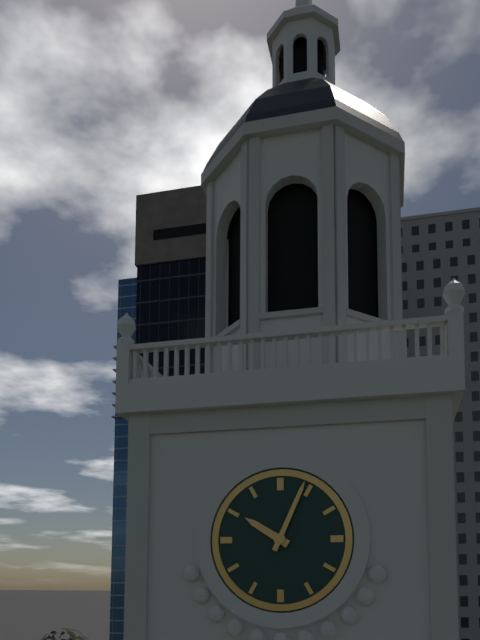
10:04
